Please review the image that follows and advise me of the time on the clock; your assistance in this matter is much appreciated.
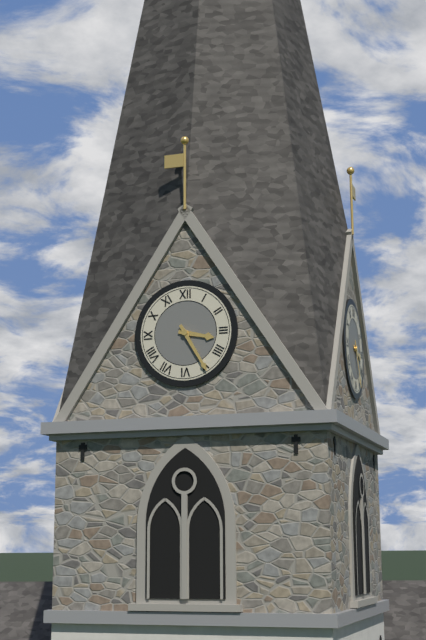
3:25
